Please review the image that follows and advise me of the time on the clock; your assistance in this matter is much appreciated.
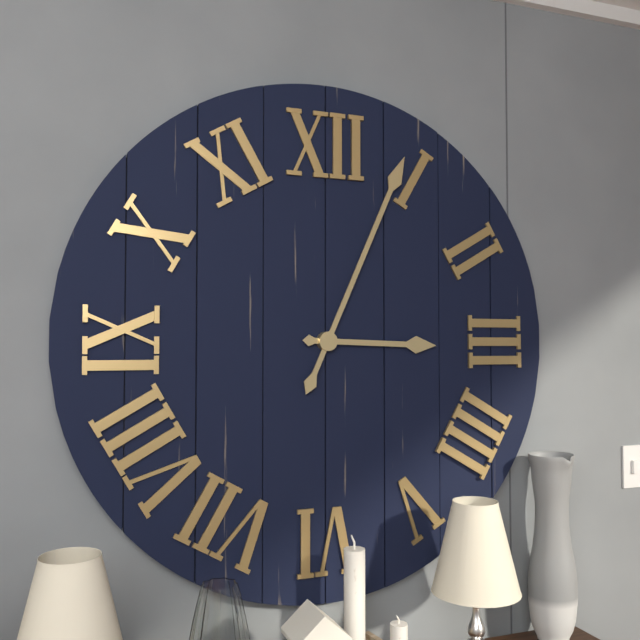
3:04
